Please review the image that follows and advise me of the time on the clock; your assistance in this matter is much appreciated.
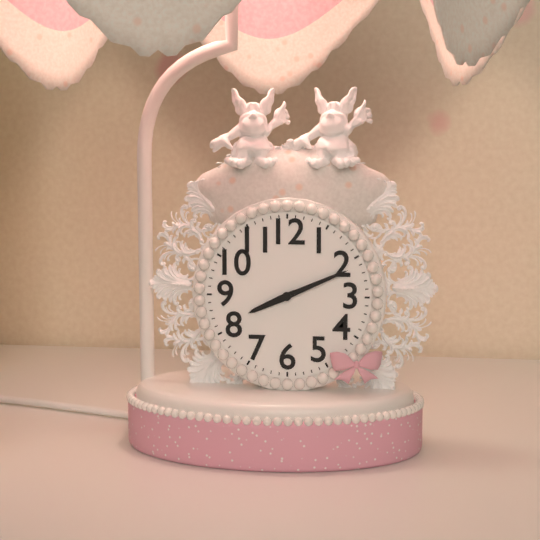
8:11
